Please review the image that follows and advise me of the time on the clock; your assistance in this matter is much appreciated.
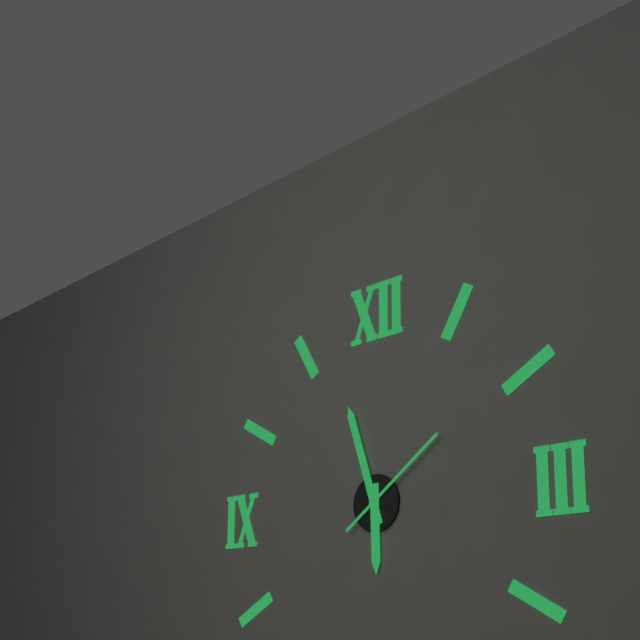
5:57:09
